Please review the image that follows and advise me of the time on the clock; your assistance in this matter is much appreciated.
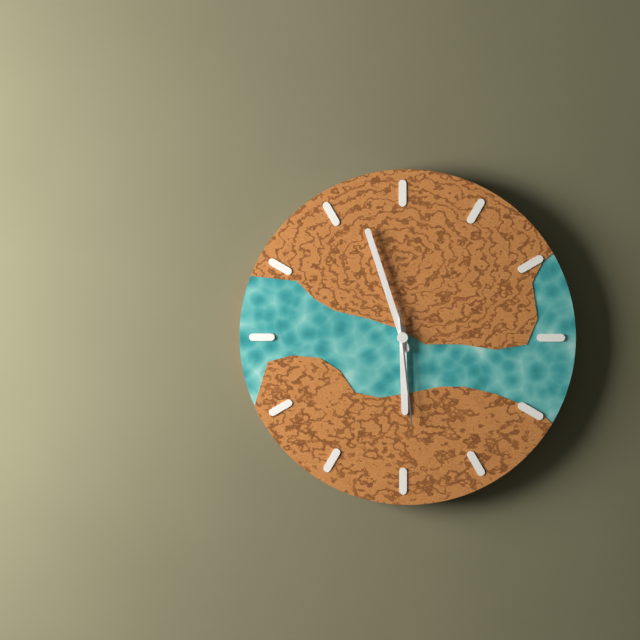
5:57:29
